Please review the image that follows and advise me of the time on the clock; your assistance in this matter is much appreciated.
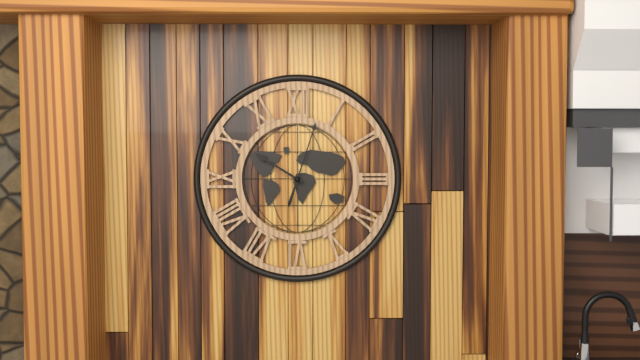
10:03
